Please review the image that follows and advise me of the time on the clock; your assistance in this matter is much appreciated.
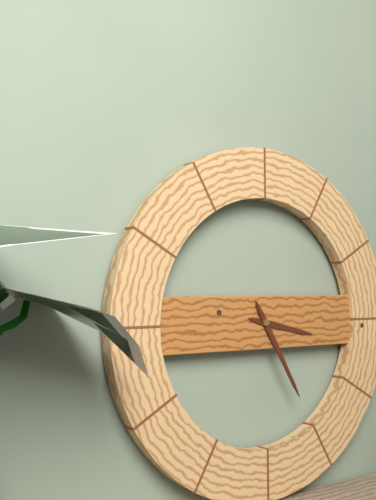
3:25
